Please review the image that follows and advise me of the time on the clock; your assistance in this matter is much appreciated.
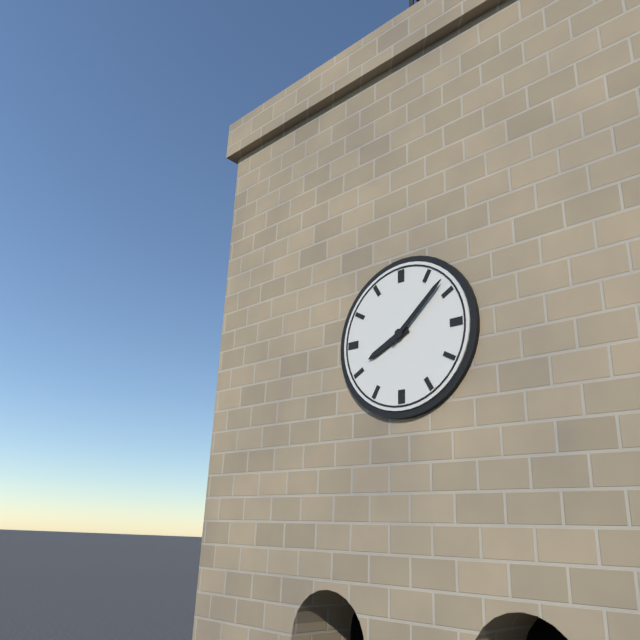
8:08
